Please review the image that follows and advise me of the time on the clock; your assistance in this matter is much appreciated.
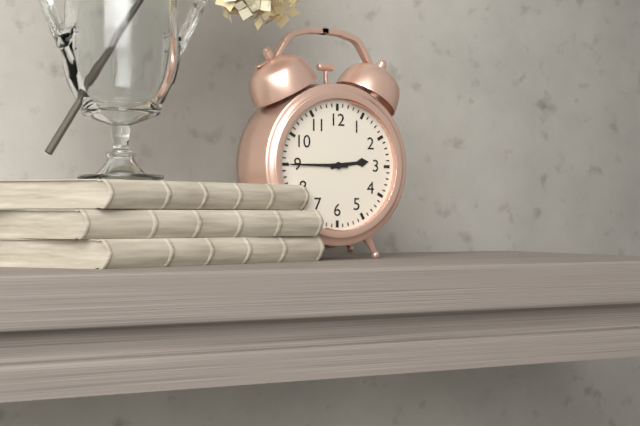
2:45
